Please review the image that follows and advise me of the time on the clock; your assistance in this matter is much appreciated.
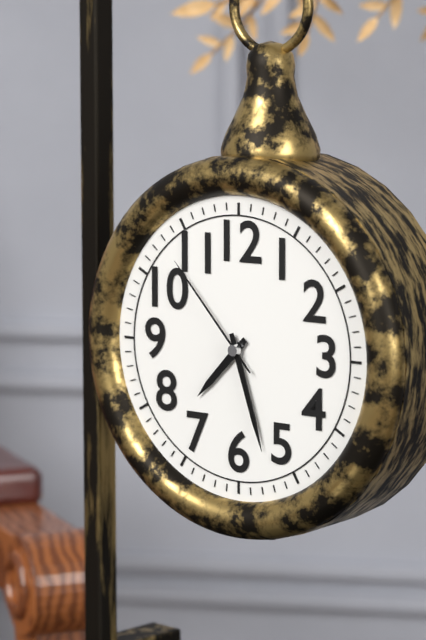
7:27:53
